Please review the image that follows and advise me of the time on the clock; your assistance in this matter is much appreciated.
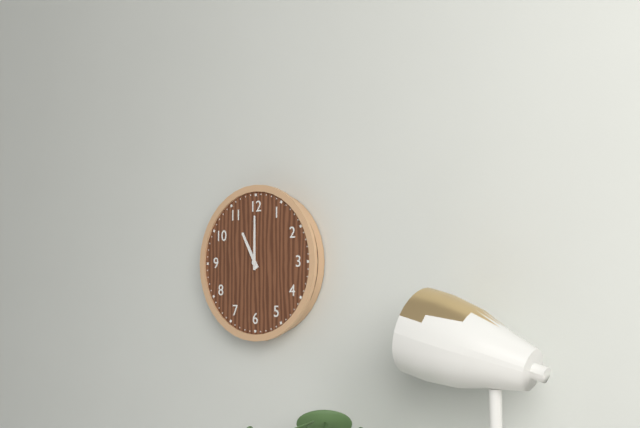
11:00
